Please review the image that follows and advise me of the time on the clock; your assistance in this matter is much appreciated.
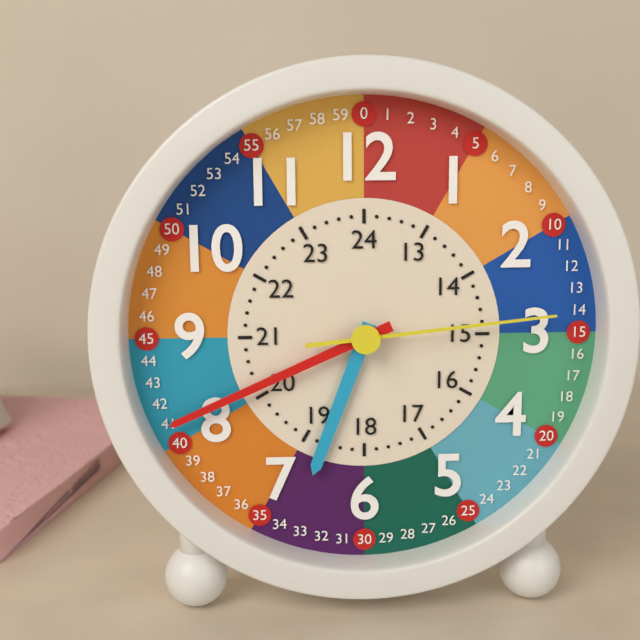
6:41:14
